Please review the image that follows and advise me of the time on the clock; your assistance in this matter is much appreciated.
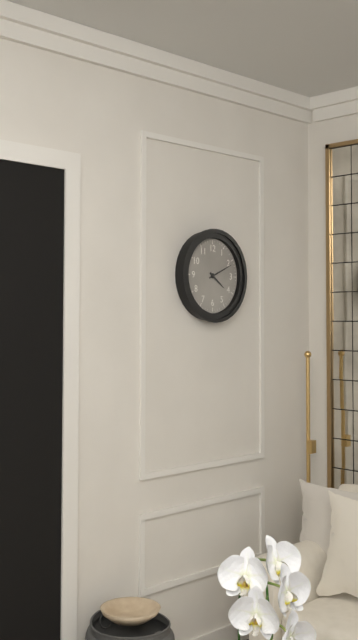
4:11
